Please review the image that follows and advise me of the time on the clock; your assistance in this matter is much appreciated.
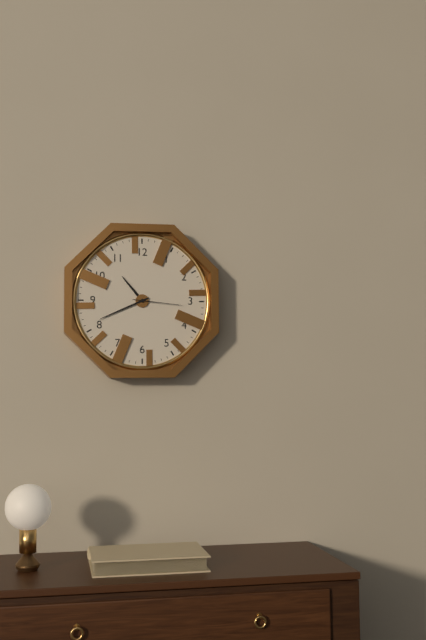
10:41:16
